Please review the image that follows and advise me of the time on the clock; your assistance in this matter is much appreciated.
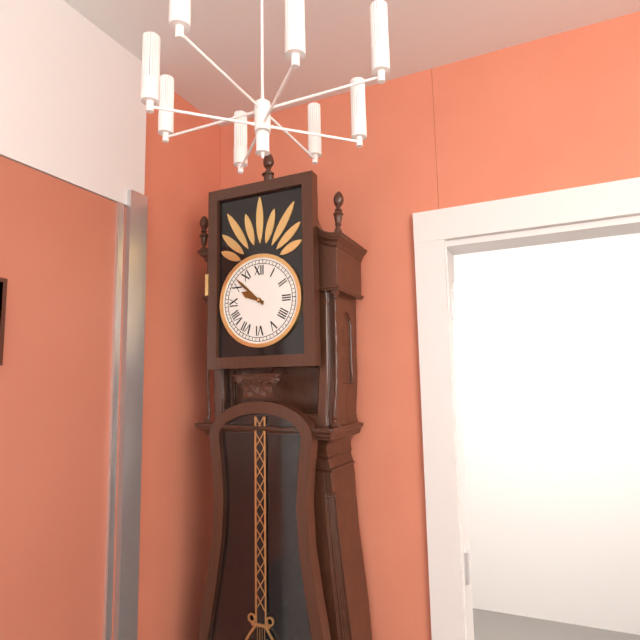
9:52
